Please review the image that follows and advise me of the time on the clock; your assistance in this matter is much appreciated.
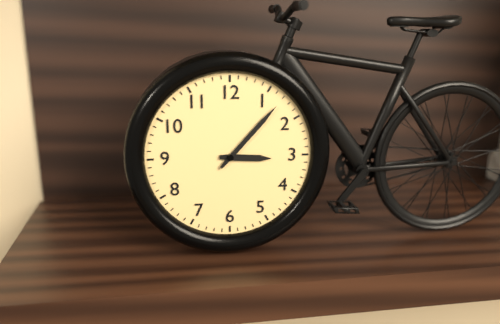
3:07
